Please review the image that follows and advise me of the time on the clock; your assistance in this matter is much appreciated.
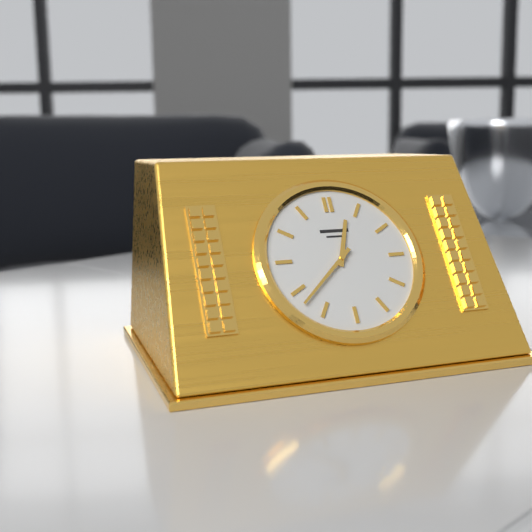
12:38
